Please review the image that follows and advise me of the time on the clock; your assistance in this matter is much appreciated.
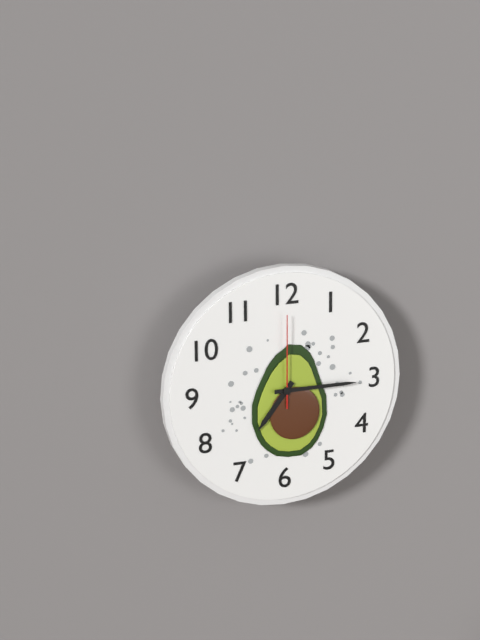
7:15:00
